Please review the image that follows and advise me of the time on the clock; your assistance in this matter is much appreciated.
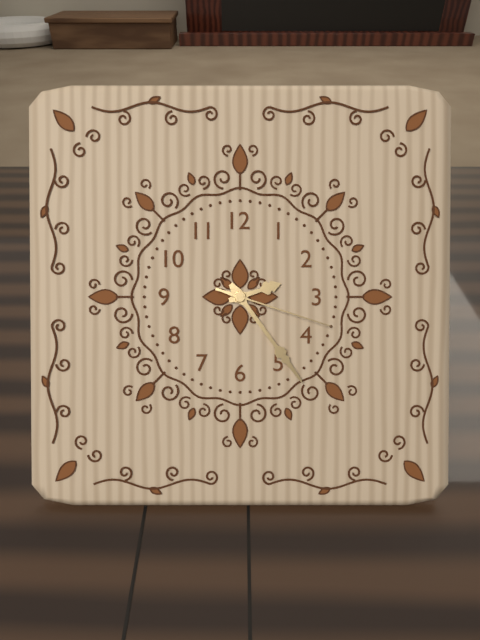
2:24:18
